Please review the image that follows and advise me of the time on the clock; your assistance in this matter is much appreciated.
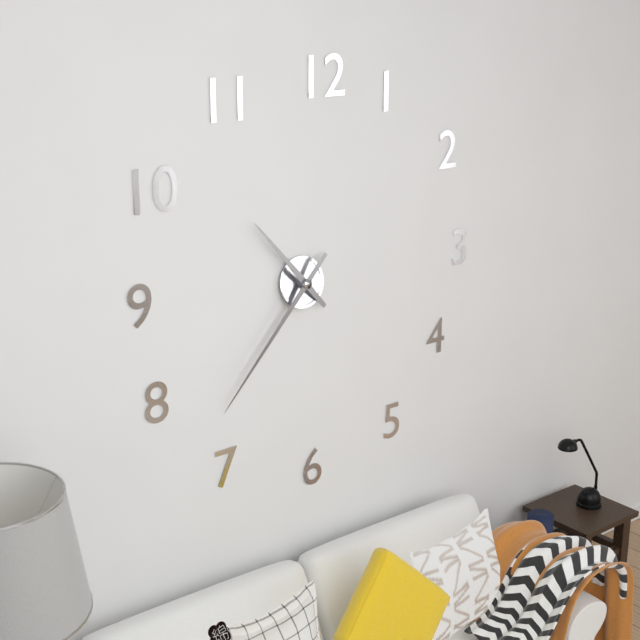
10:37
